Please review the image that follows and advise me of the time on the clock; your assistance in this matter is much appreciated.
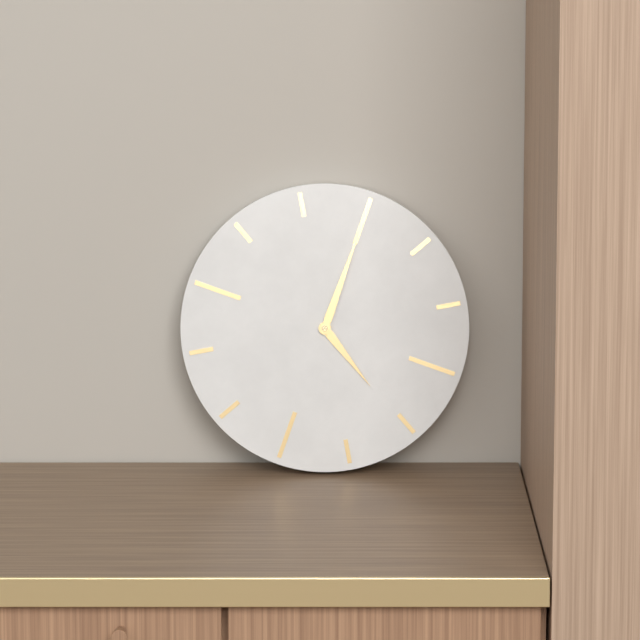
5:05
